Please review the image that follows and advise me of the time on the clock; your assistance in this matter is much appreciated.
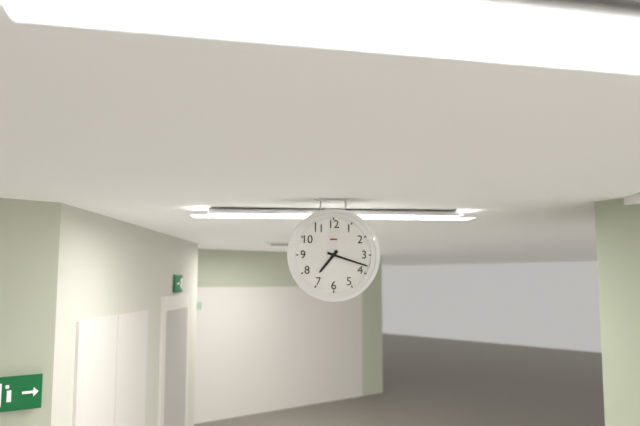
7:18
